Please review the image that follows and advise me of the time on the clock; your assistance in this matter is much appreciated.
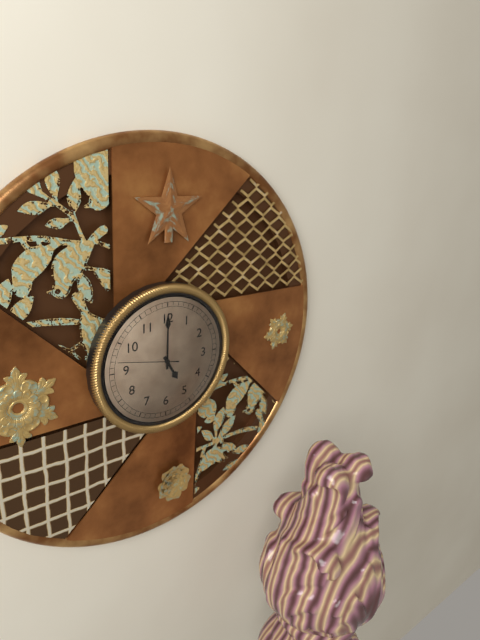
5:00
